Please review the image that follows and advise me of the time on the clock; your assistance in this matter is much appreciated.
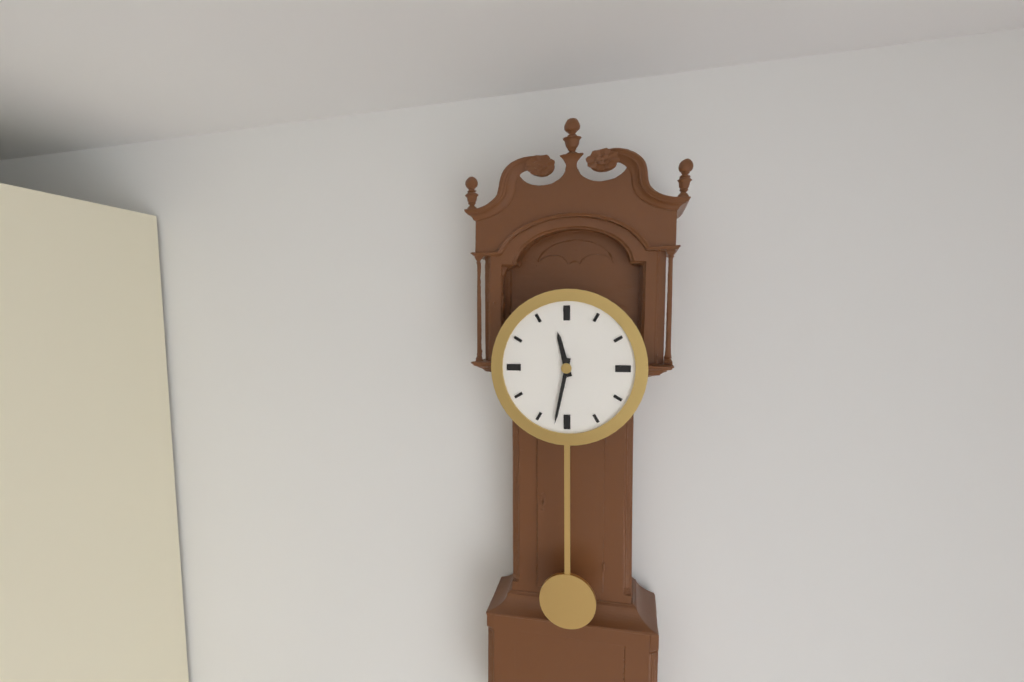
11:32
